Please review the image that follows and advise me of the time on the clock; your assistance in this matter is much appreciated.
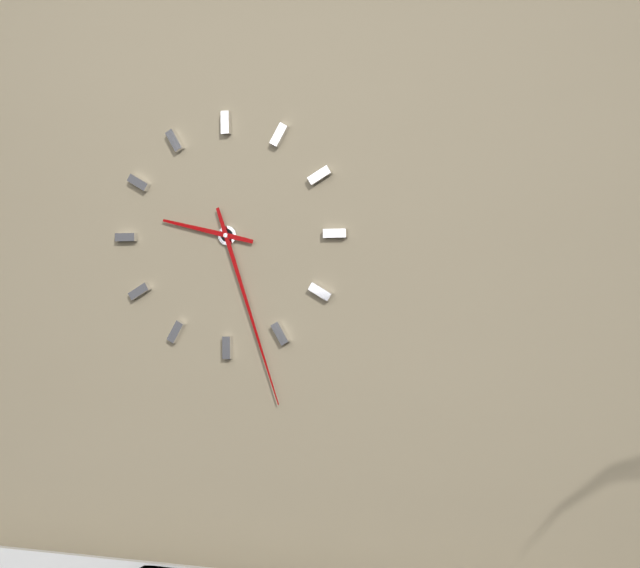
9:27
